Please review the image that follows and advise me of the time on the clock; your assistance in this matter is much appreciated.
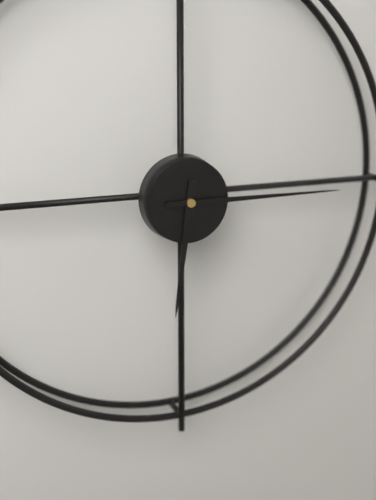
6:15
